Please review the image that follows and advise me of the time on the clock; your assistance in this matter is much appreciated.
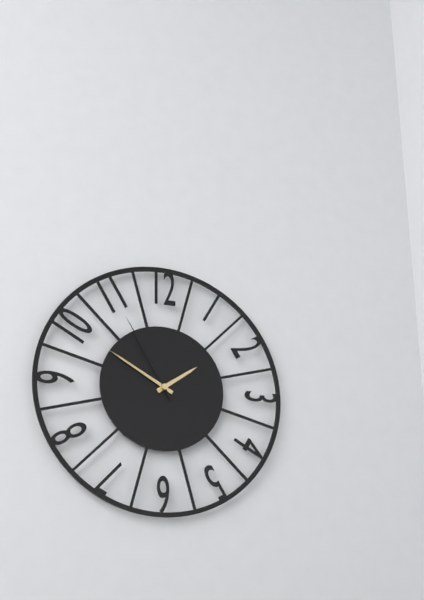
1:50:55
